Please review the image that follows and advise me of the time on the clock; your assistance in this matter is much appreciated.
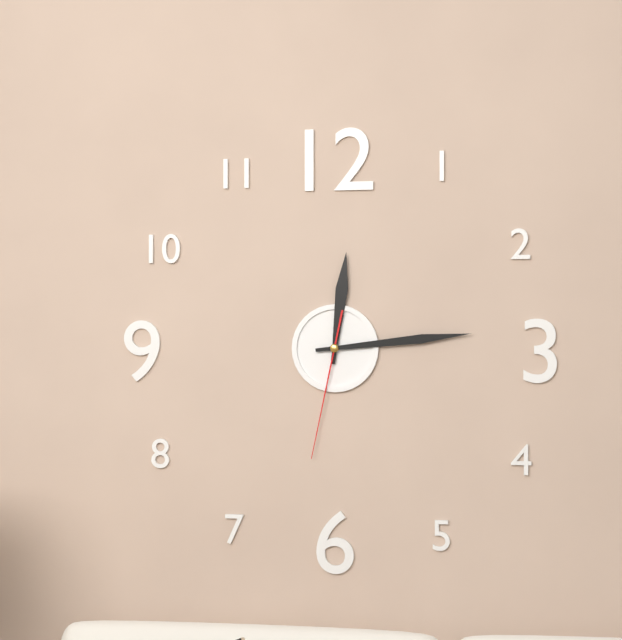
12:14:32
